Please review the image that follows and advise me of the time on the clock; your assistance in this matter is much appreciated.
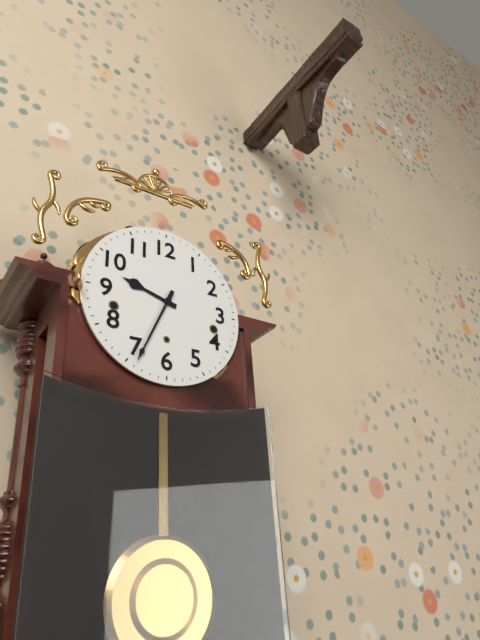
9:34
